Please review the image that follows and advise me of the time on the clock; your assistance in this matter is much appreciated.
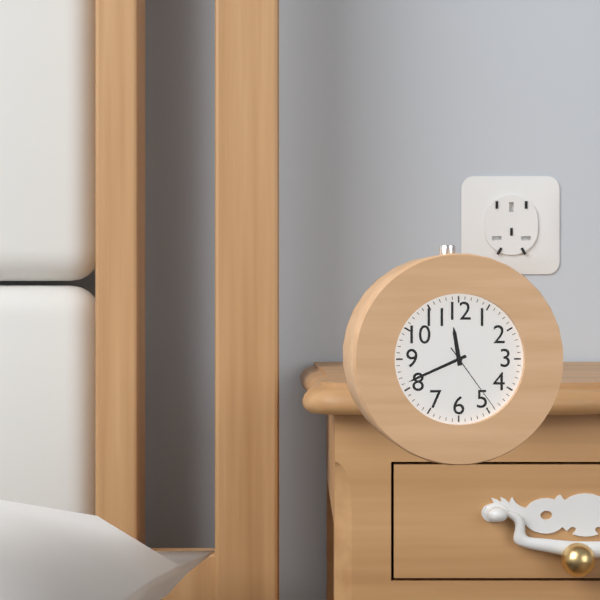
11:41:24
